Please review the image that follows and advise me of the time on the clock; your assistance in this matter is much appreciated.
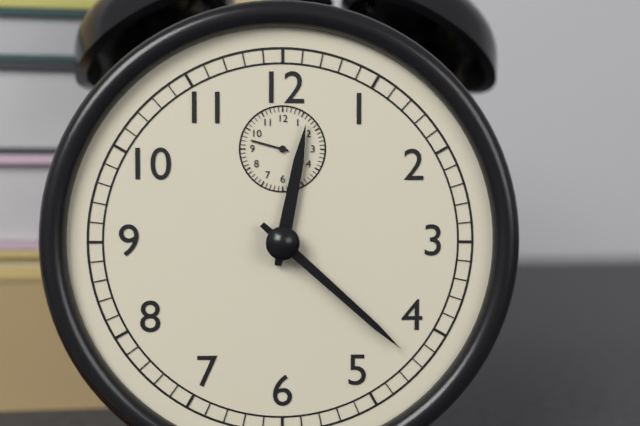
12:22
